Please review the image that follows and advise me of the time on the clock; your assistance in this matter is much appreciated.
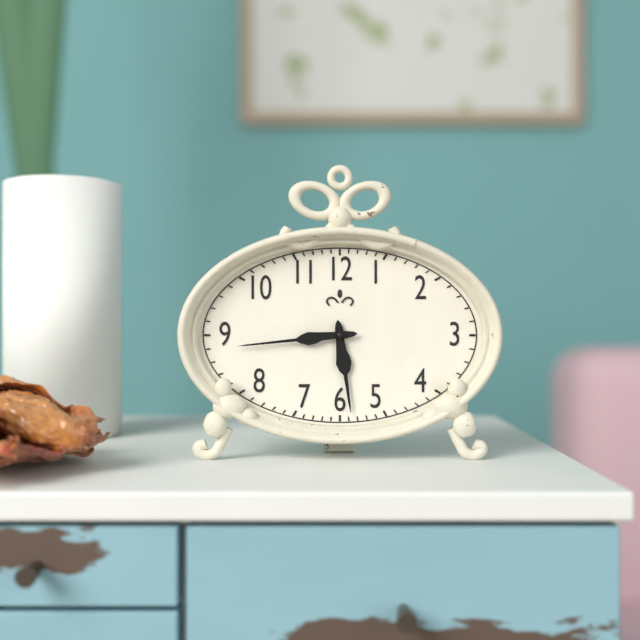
5:44
